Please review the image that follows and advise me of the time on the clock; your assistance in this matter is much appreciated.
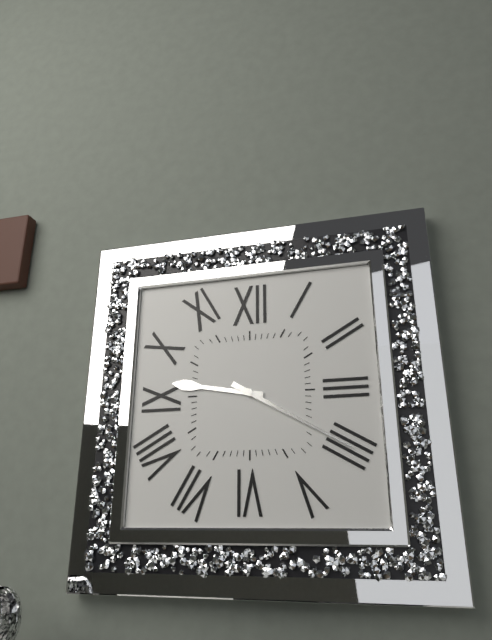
9:20
